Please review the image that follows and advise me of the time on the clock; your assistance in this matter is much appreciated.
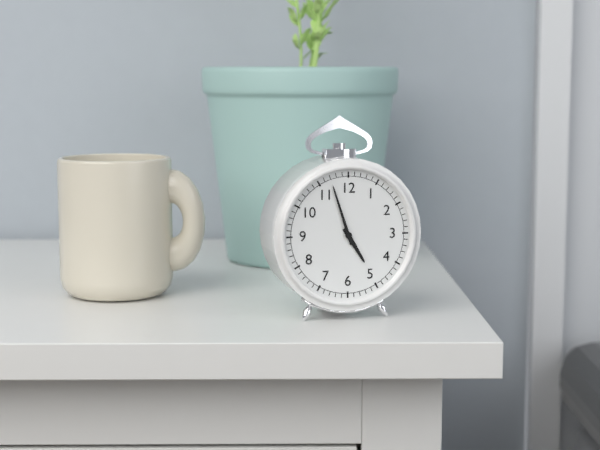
4:57
